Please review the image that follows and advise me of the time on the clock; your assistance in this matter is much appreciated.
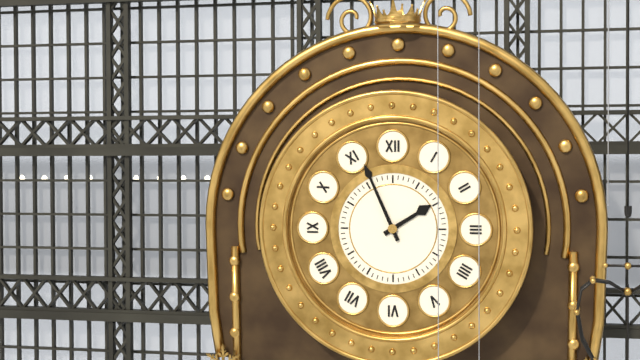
1:56
